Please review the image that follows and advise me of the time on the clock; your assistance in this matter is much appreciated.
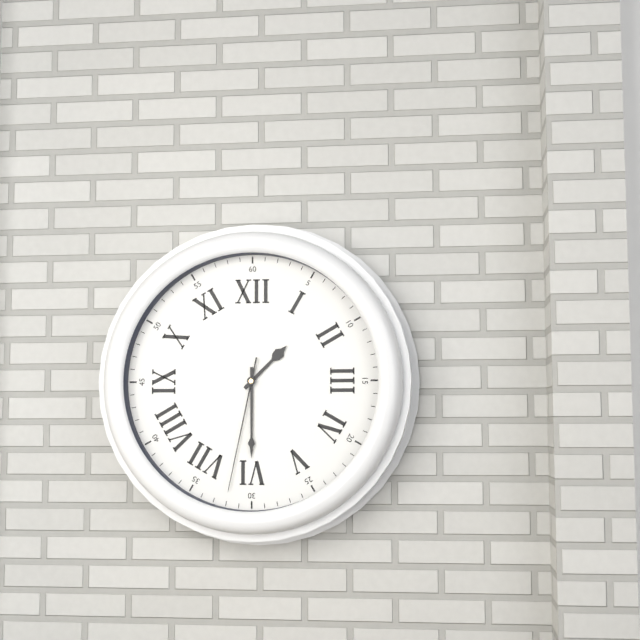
1:30:32
